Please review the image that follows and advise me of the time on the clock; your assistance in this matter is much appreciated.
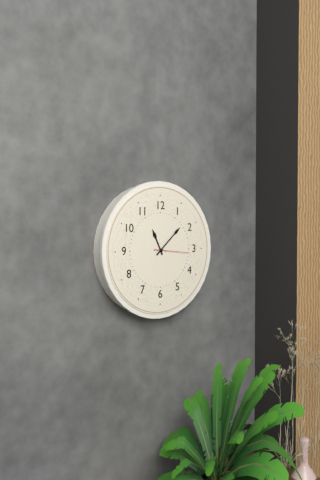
11:08
